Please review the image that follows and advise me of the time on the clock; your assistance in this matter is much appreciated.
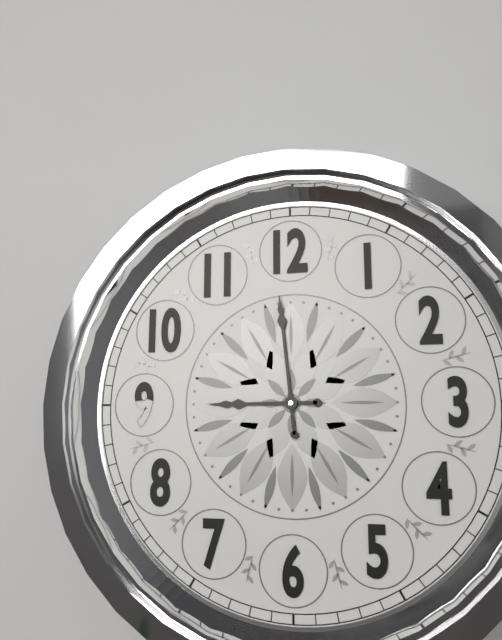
8:59
